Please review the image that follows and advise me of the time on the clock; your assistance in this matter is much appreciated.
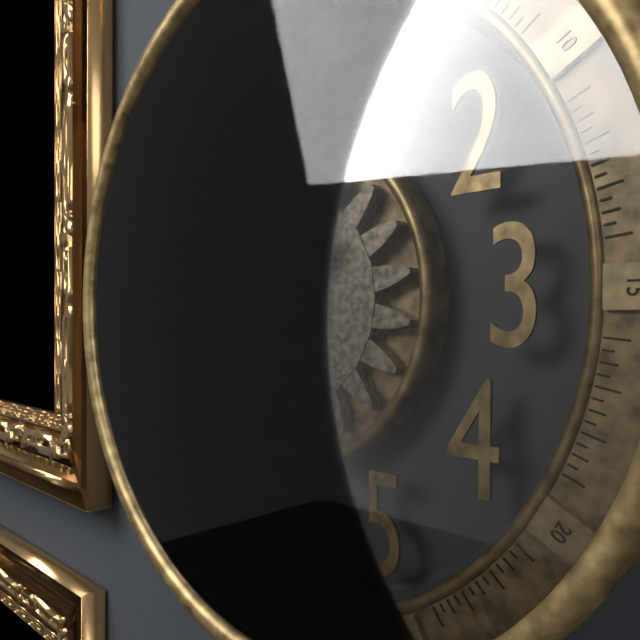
11:37
